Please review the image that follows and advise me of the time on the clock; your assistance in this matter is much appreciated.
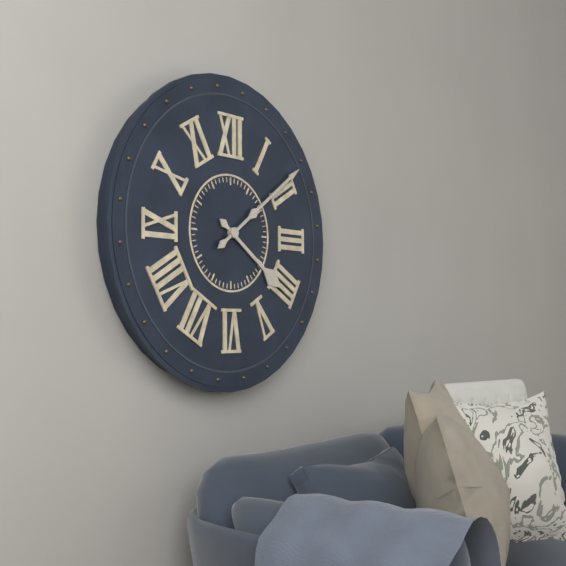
4:09
